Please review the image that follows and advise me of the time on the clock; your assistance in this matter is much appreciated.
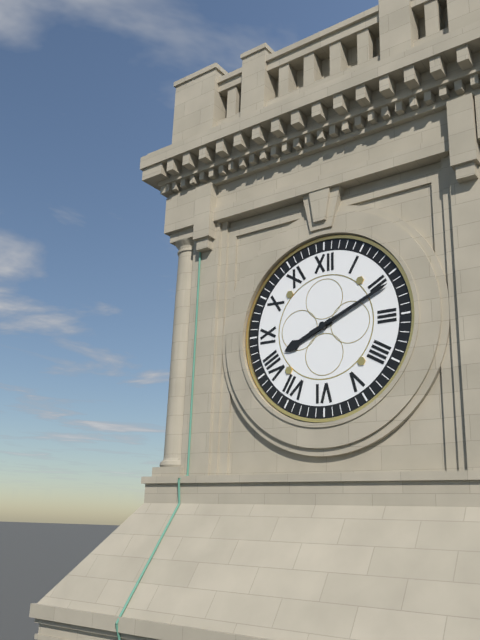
8:11
